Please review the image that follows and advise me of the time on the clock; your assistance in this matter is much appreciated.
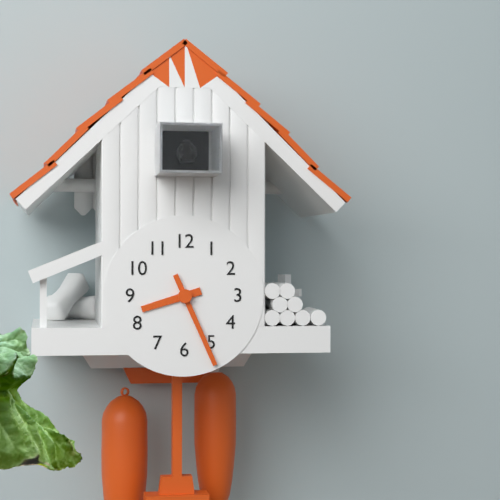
8:26
